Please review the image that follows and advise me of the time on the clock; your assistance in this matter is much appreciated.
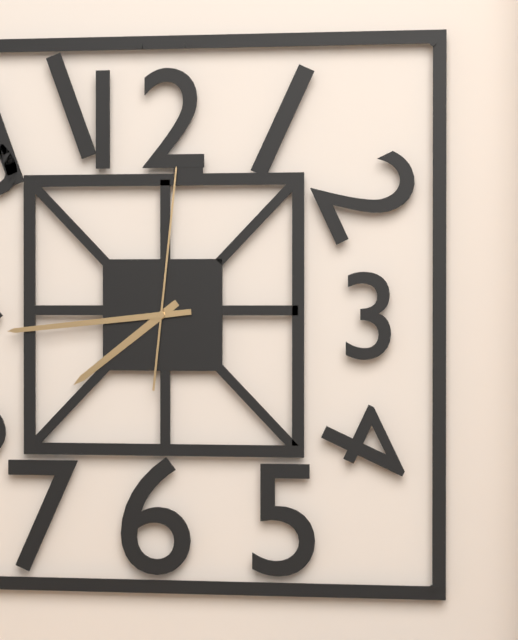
7:44:01
